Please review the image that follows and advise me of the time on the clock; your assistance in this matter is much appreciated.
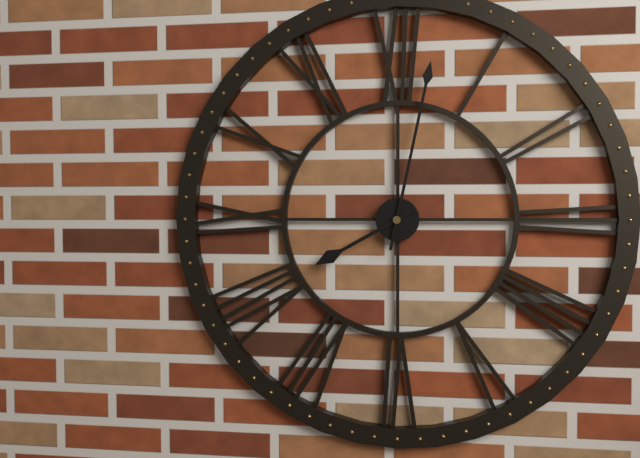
8:02
